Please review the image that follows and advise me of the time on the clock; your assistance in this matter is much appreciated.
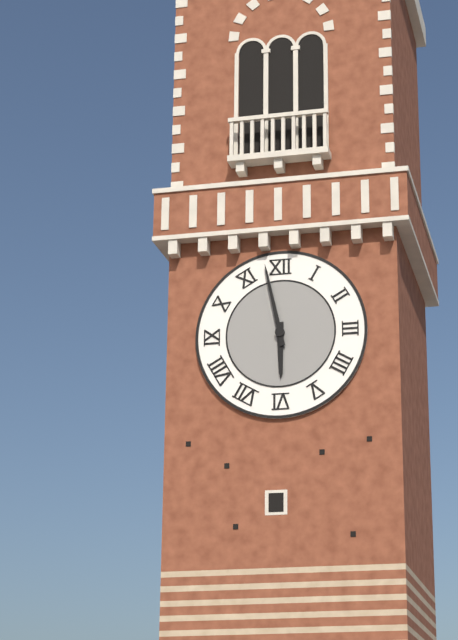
5:58
